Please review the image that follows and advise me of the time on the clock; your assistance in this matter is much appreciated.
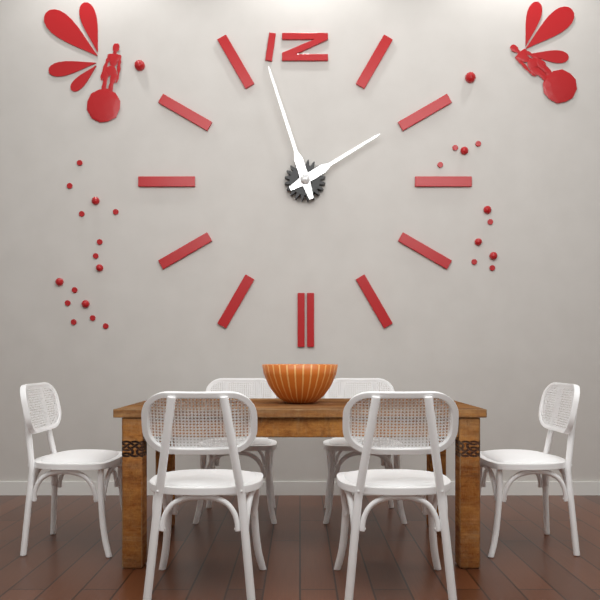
1:57
